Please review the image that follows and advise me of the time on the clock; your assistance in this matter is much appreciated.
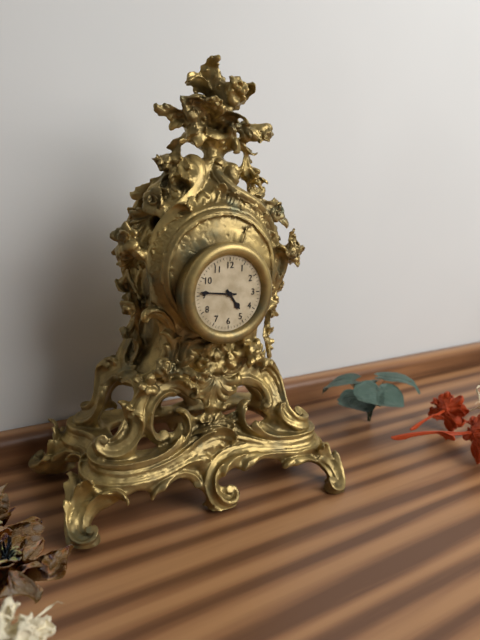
4:46
